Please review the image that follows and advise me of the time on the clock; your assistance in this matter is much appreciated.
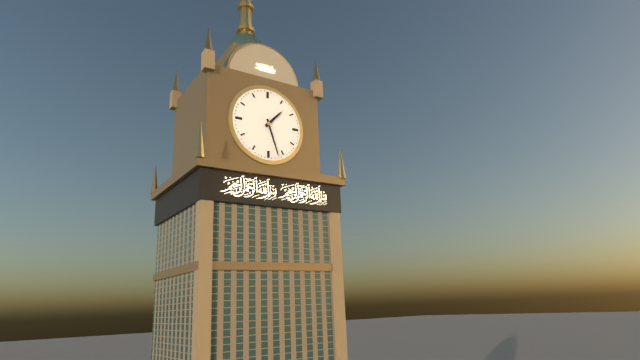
1:27
